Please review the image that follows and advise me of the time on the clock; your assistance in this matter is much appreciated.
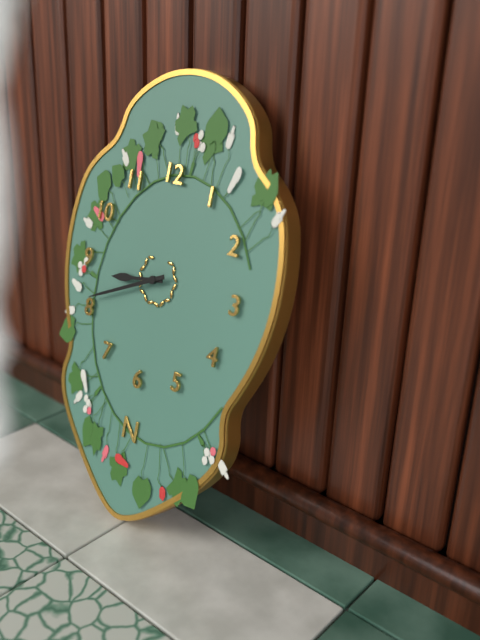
8:41
